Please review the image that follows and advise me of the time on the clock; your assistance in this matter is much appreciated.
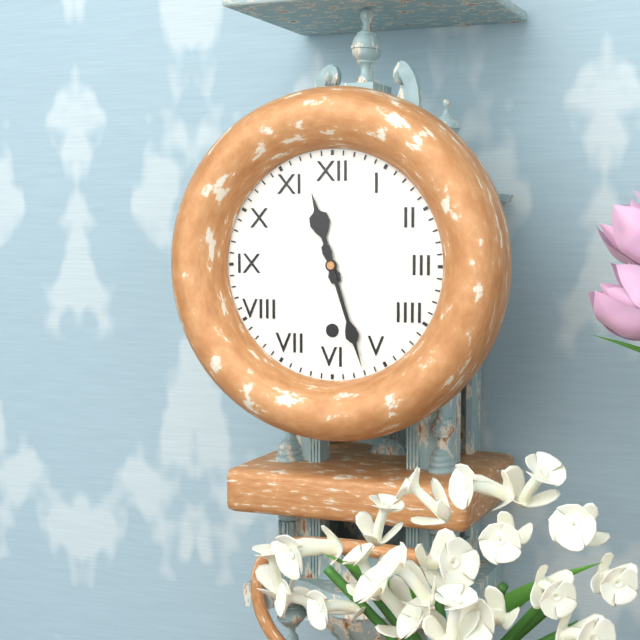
11:27
